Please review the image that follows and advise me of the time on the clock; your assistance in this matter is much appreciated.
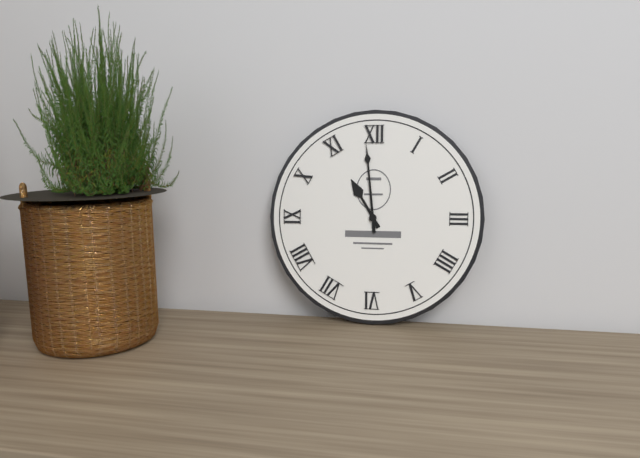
10:59
